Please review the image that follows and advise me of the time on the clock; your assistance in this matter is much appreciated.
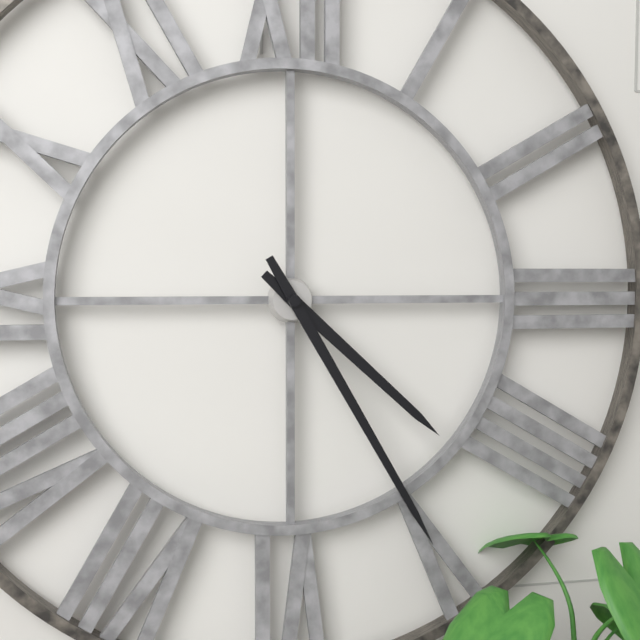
4:25
